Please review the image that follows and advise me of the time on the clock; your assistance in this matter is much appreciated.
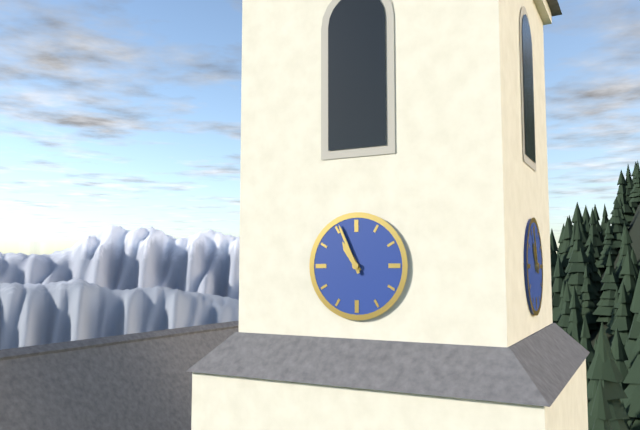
10:56
